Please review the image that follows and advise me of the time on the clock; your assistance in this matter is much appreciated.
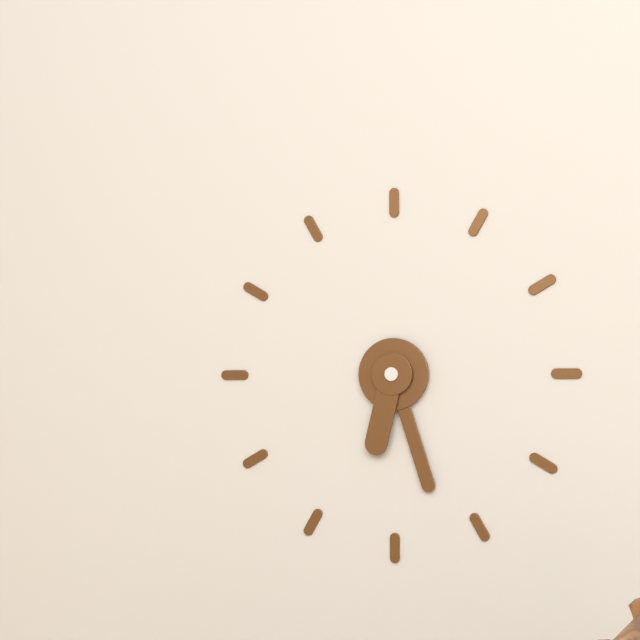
6:27
